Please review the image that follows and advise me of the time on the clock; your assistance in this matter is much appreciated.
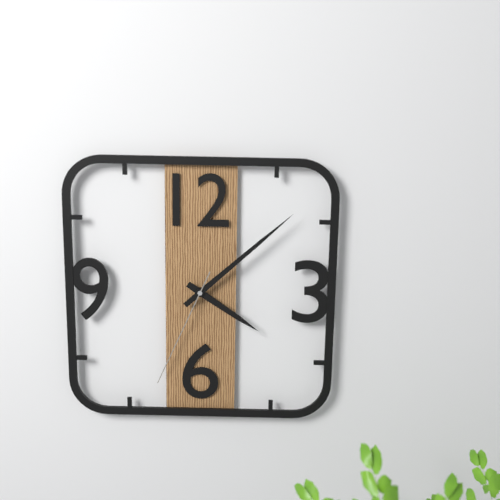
4:08:34
